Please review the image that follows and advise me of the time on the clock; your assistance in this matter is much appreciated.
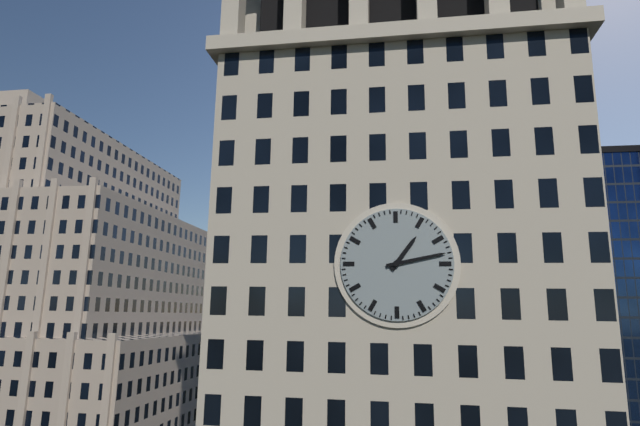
1:13
